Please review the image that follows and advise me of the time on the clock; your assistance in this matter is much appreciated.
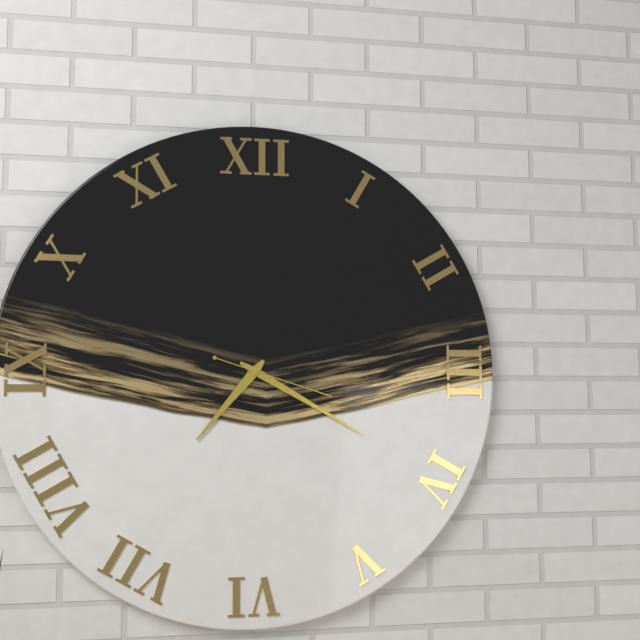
7:20:18
